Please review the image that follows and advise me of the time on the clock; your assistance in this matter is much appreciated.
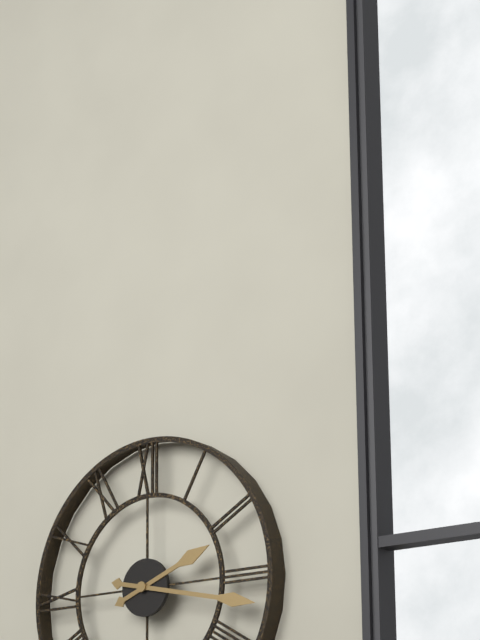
2:17
